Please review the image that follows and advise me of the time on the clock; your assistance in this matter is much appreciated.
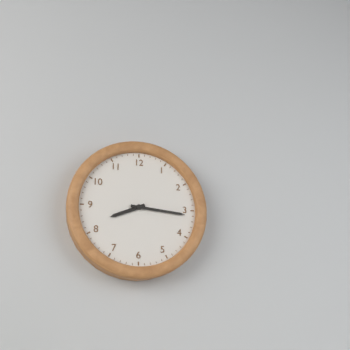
8:16
